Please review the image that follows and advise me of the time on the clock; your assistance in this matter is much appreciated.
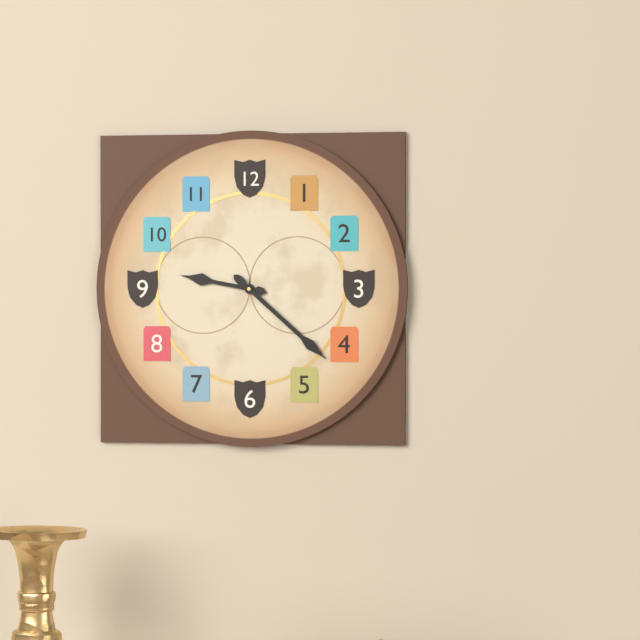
9:22
